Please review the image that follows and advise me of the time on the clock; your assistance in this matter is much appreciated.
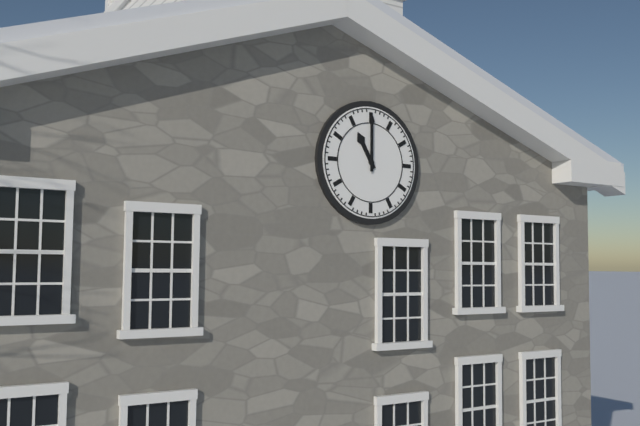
11:00
